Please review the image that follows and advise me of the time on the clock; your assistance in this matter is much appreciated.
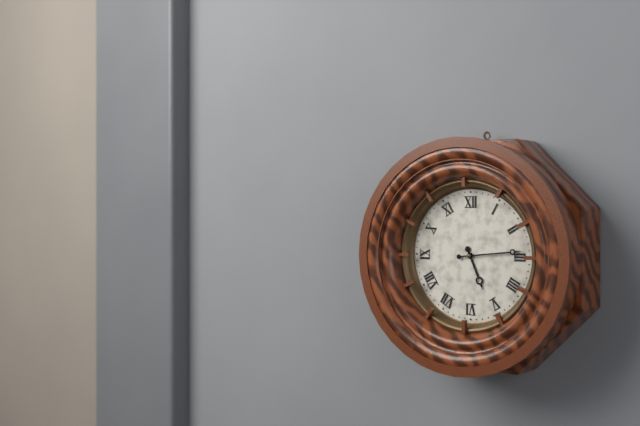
5:14
